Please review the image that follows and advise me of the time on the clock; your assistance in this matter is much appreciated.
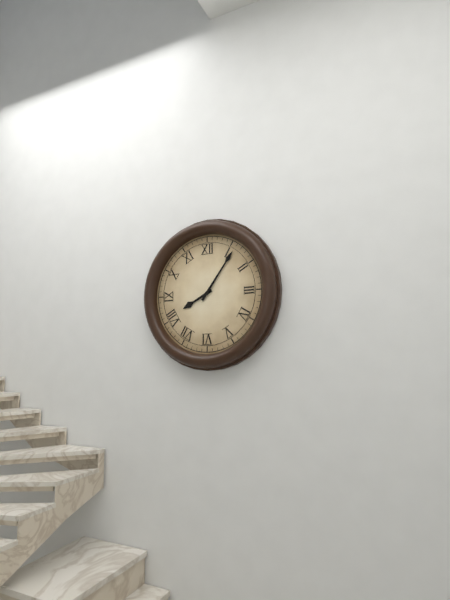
8:06
